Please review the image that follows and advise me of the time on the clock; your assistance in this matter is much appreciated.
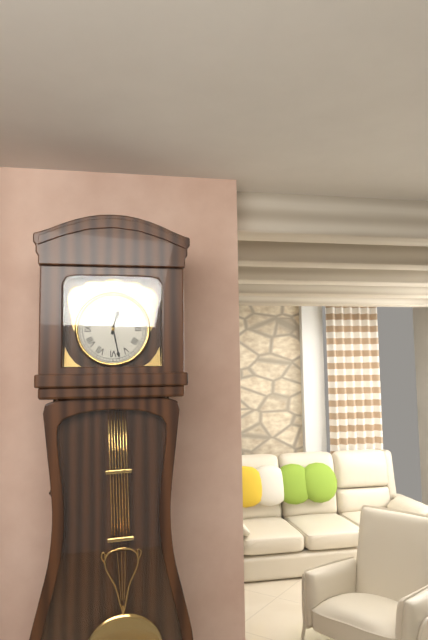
12:28
